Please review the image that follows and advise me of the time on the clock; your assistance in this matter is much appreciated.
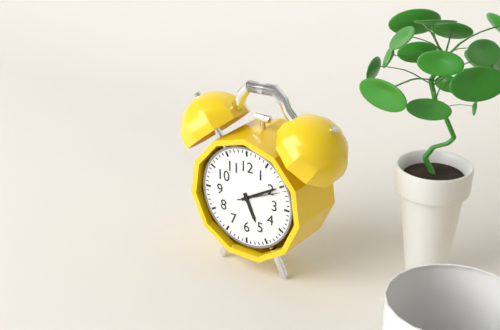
5:10
